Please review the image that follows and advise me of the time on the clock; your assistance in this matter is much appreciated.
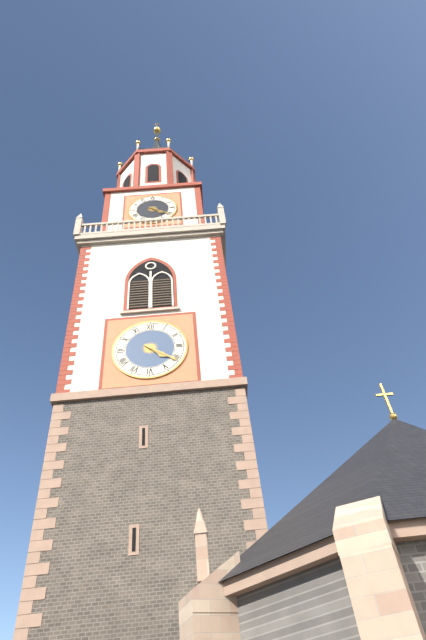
4:21
